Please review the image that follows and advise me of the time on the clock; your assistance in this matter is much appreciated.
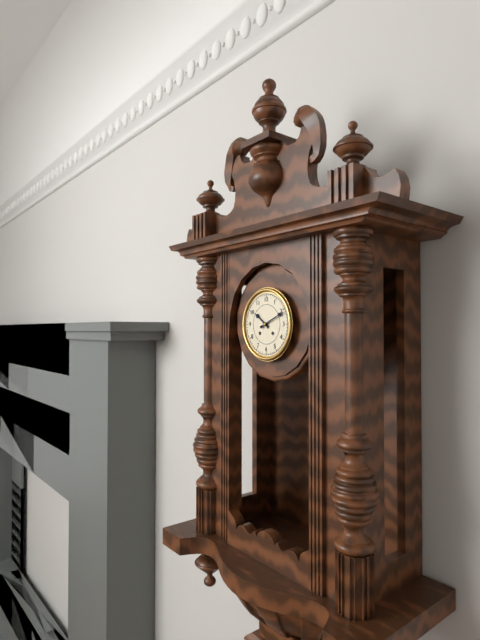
10:11
